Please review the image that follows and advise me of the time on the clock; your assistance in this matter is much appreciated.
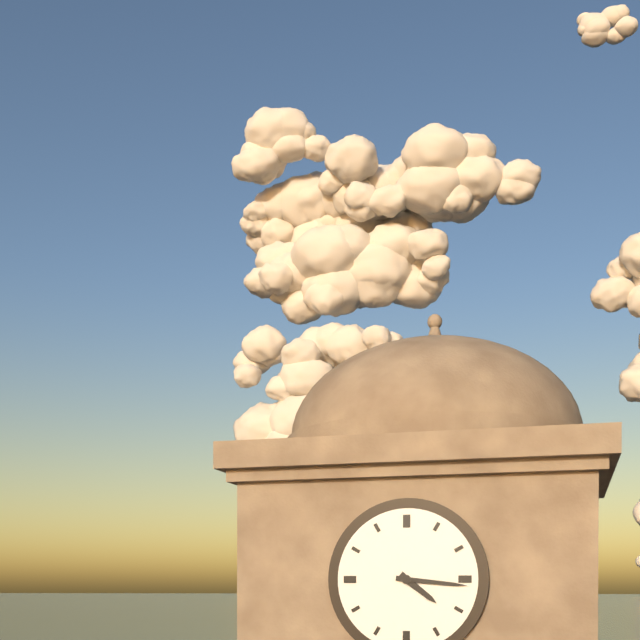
4:16
